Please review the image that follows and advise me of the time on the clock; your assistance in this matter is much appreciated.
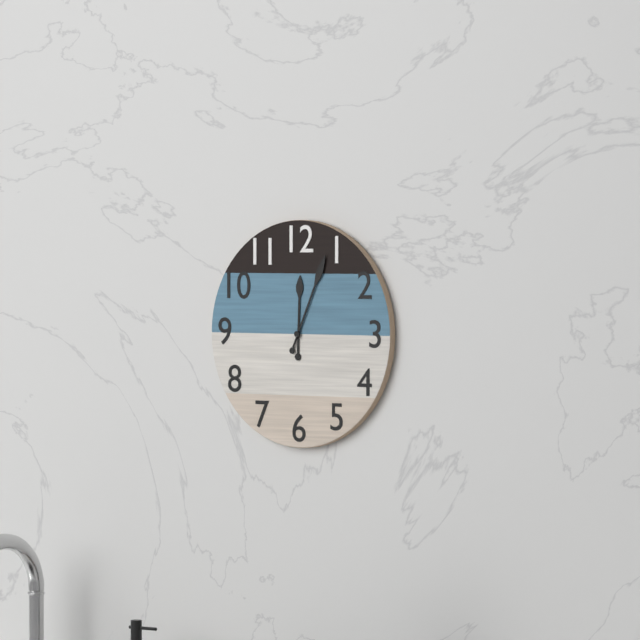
12:04
